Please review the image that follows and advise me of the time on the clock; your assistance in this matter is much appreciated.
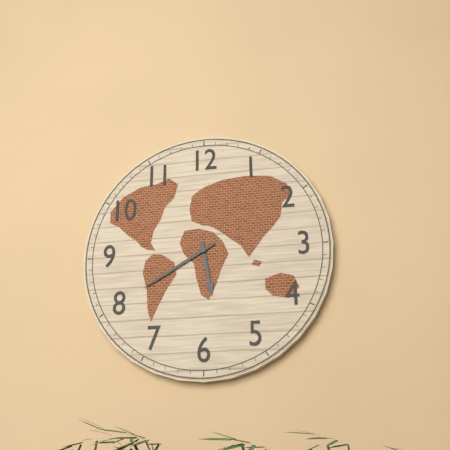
5:40
